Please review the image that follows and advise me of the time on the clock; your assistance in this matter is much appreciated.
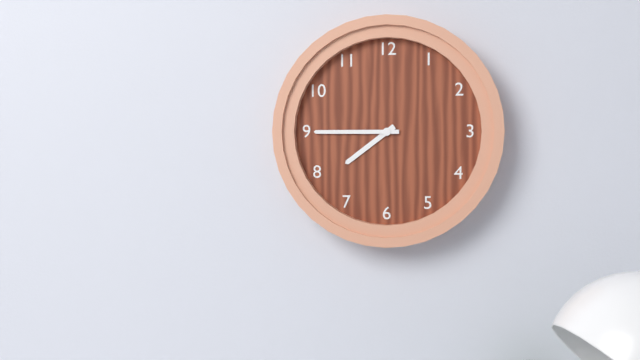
7:45
